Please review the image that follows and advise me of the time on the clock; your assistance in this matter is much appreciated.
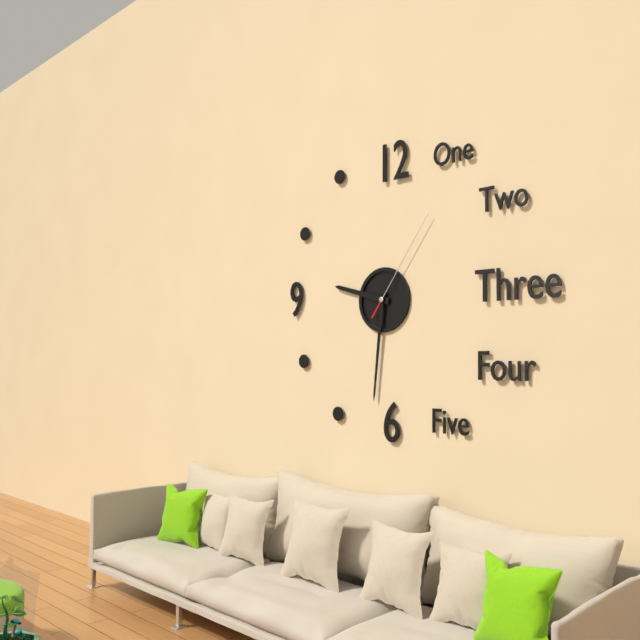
9:31:06
